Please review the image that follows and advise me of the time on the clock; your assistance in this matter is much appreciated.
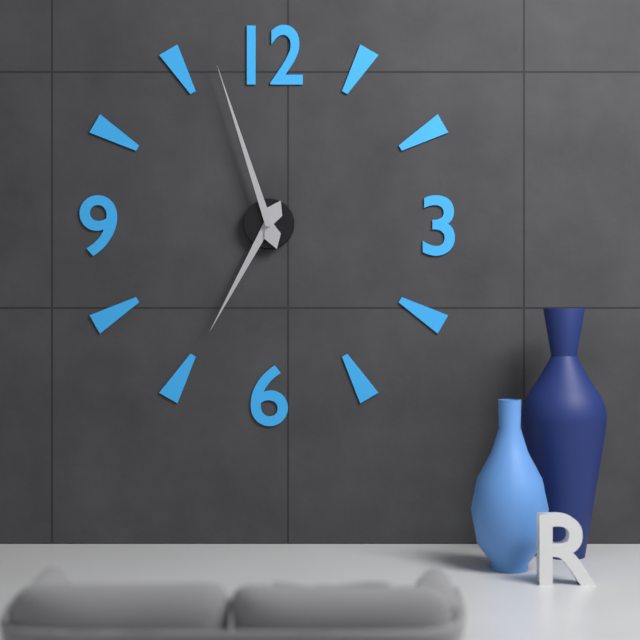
6:57
